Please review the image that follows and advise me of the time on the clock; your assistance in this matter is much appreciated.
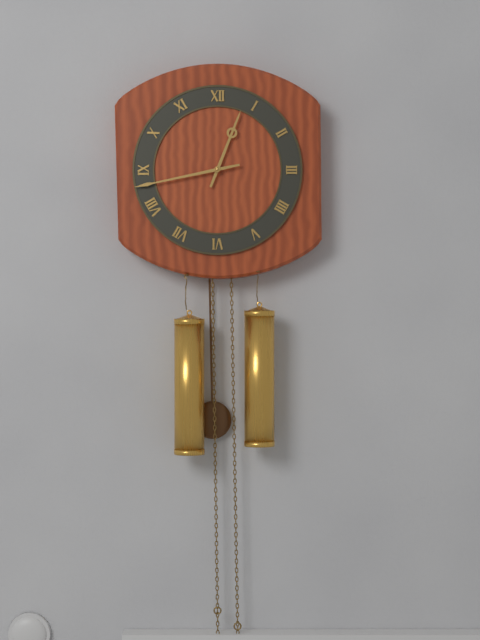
12:43
